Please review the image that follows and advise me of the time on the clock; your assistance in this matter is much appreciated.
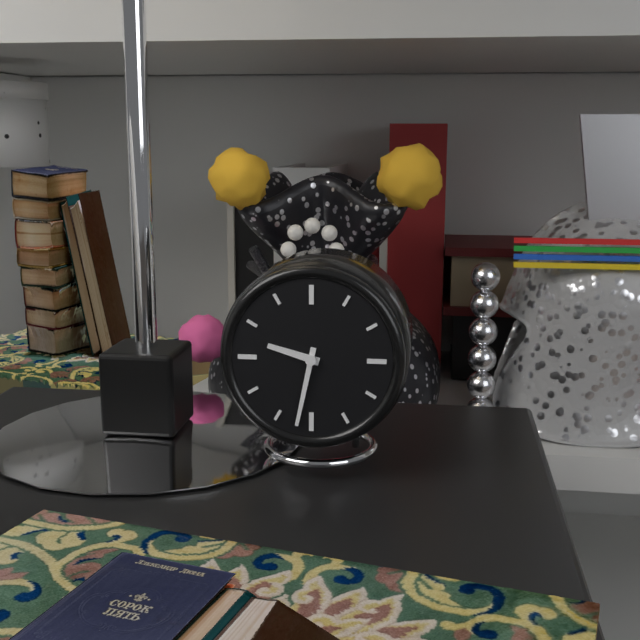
9:32
